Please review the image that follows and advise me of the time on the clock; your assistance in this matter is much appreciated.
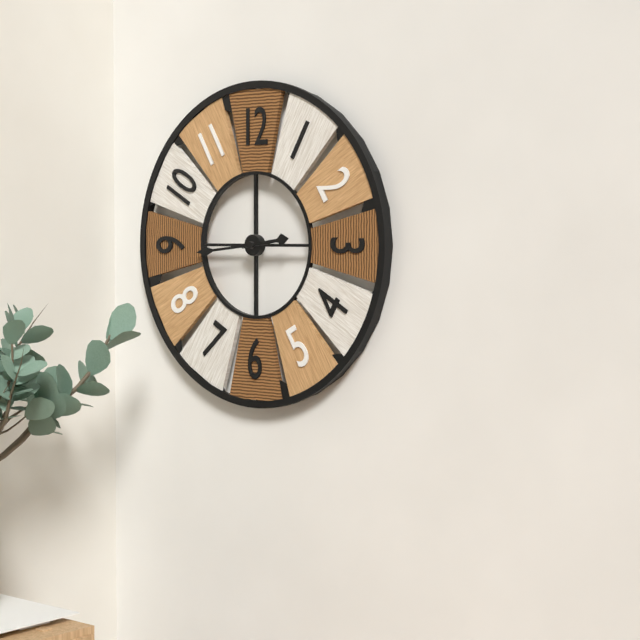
2:44
